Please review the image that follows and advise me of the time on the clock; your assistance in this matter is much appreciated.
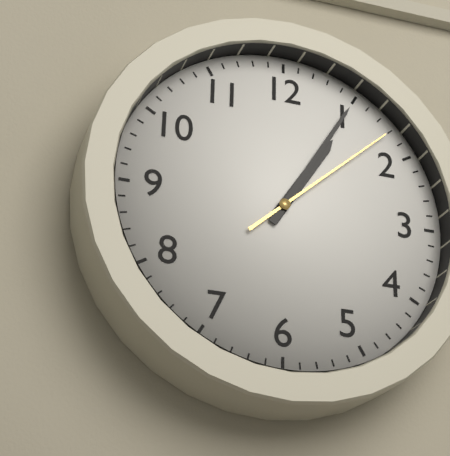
1:05:08
